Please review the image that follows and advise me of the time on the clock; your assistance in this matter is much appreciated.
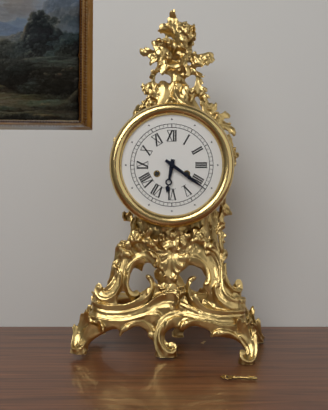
6:21
